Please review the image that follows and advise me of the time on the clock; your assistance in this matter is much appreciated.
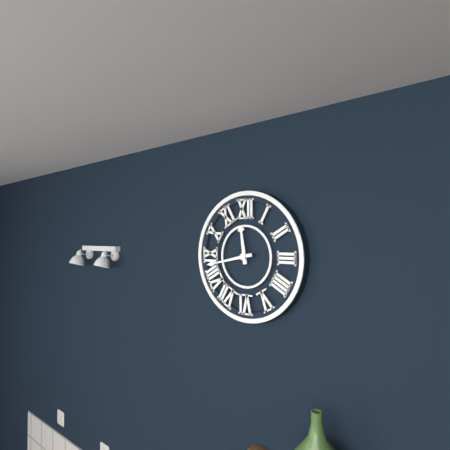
11:43
